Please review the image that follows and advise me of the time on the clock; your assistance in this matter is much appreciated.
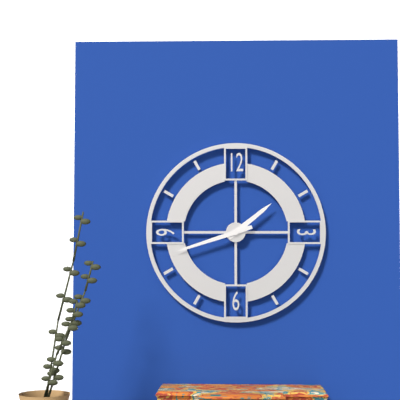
1:42
